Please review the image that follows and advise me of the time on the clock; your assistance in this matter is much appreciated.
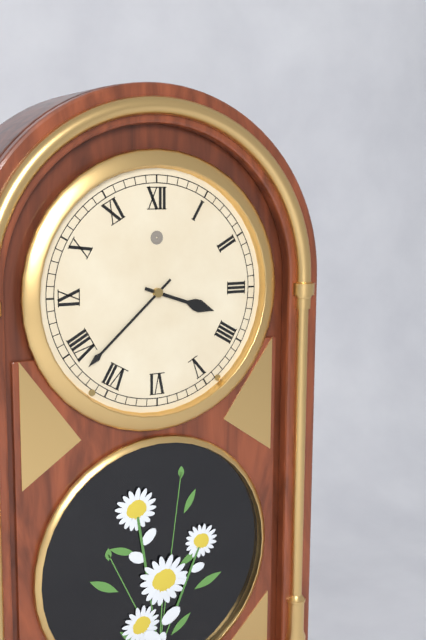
3:38
